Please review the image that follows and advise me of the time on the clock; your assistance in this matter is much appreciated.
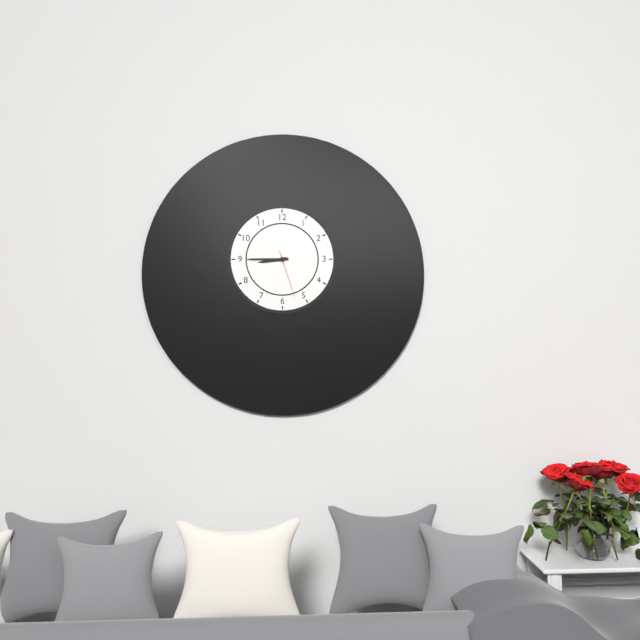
8:45
